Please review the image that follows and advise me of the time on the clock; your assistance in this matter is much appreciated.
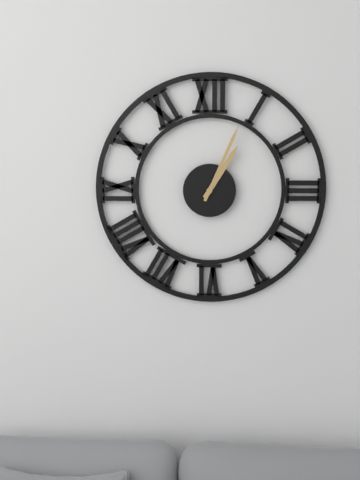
1:04
